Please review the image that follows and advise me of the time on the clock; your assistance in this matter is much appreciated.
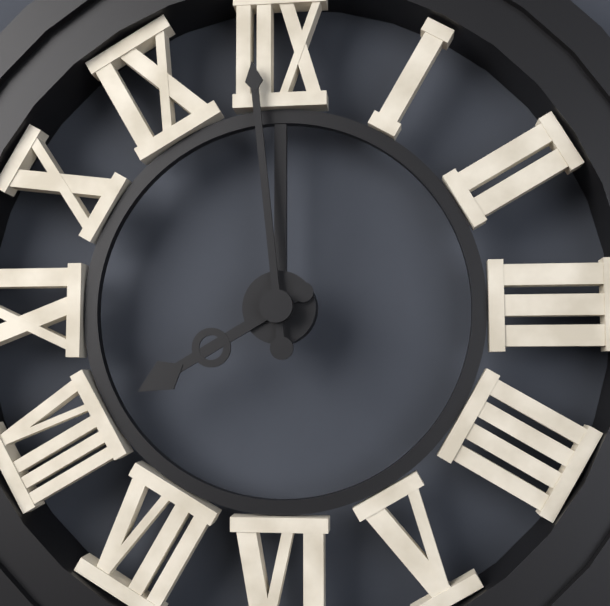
7:59
